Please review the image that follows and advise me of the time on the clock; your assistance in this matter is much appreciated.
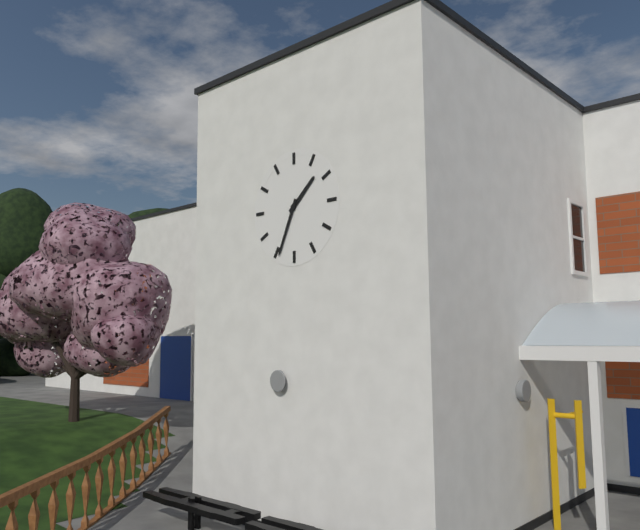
1:34
